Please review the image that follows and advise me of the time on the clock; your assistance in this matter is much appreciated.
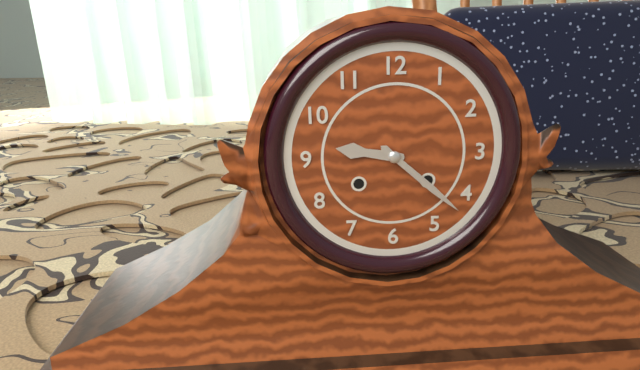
9:22
